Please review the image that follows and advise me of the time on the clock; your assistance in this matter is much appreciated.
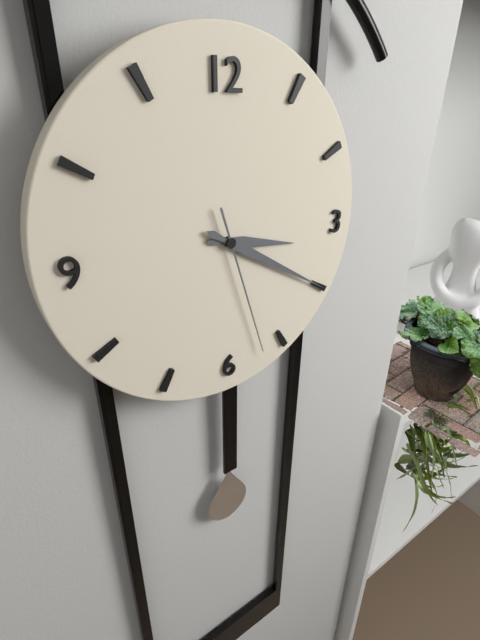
3:20:27
